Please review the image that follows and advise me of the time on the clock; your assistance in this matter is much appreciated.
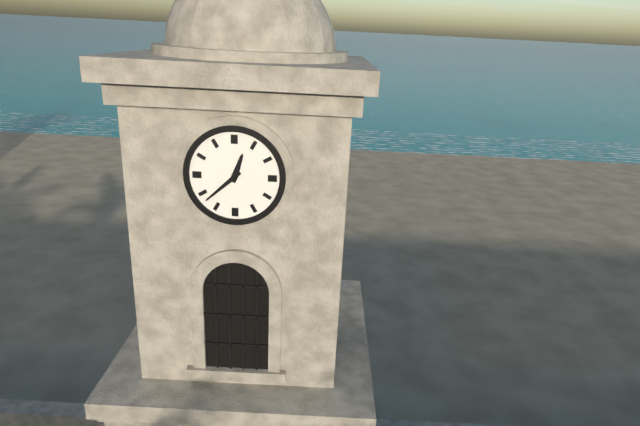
12:38
